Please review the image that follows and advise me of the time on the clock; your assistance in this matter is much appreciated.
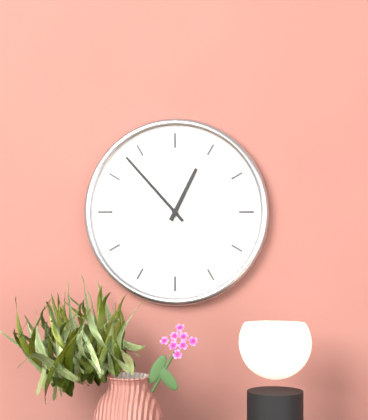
12:53
